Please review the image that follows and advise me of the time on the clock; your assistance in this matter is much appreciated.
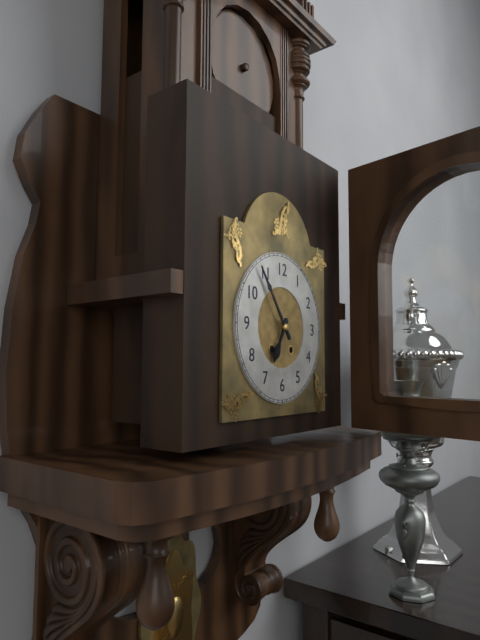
6:54
